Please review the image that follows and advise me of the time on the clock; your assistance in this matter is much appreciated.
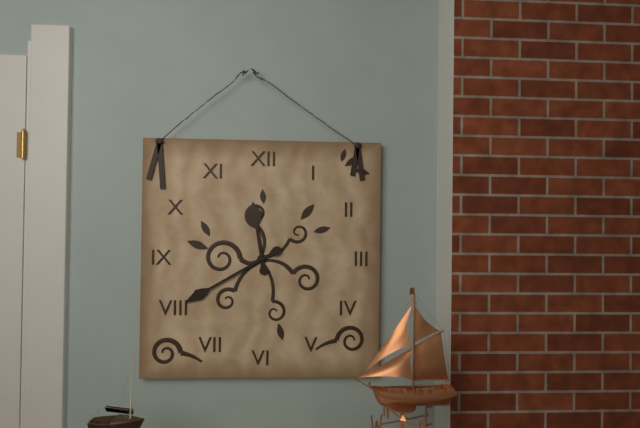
11:40
